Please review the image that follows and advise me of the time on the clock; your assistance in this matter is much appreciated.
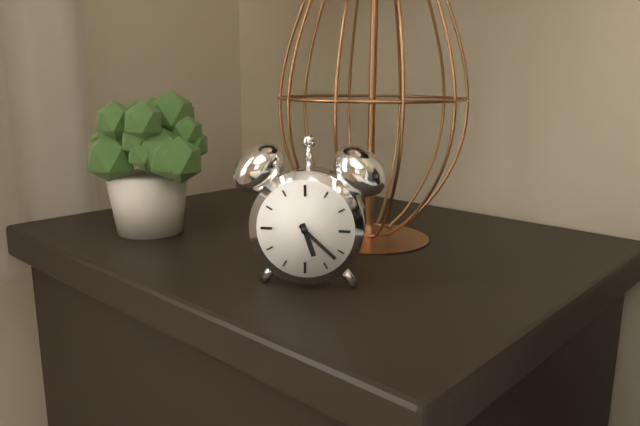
5:22
